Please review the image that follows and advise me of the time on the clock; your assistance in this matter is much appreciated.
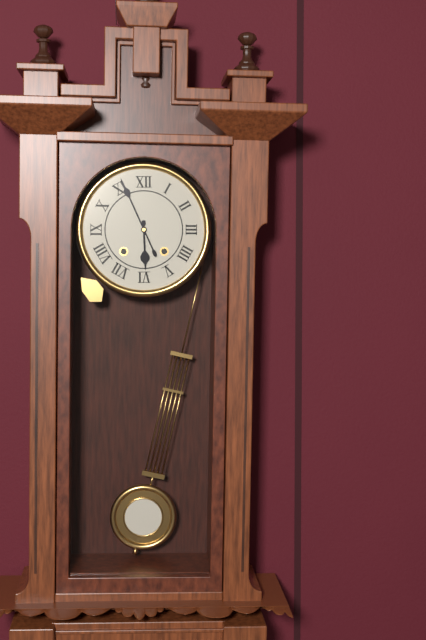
5:56
